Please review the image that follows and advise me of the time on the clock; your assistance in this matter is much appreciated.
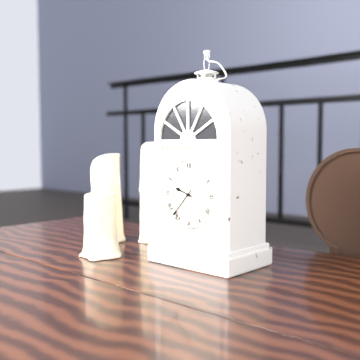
9:37
